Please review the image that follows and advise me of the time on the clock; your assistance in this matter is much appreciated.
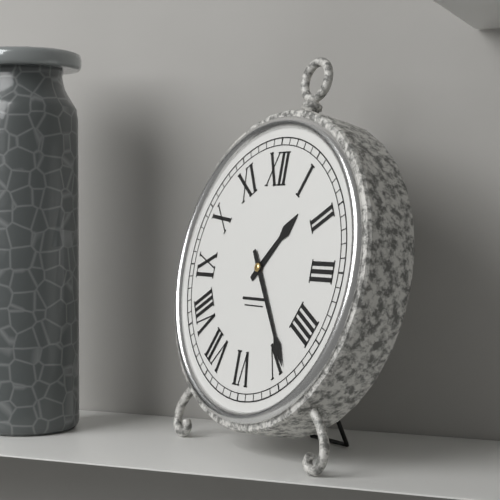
1:24
